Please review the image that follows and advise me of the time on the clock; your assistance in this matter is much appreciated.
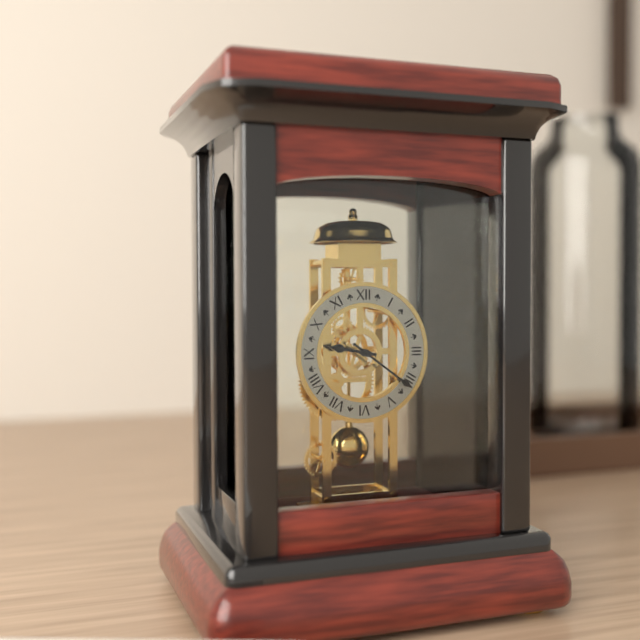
9:21
